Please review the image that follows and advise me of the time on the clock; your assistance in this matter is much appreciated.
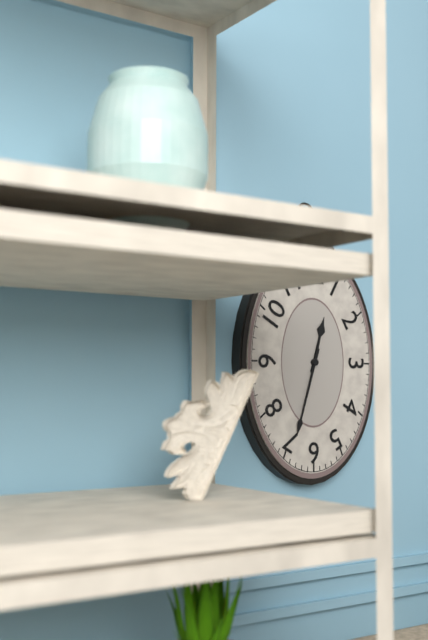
12:33
